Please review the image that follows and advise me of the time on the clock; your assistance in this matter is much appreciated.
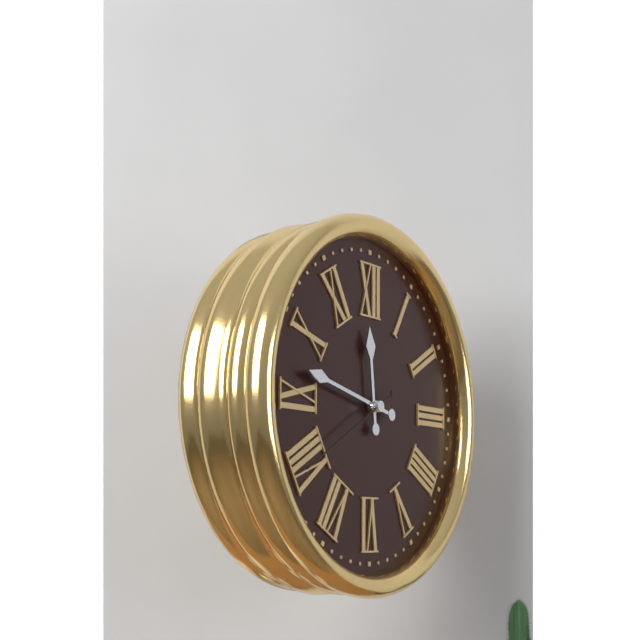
11:47:40
